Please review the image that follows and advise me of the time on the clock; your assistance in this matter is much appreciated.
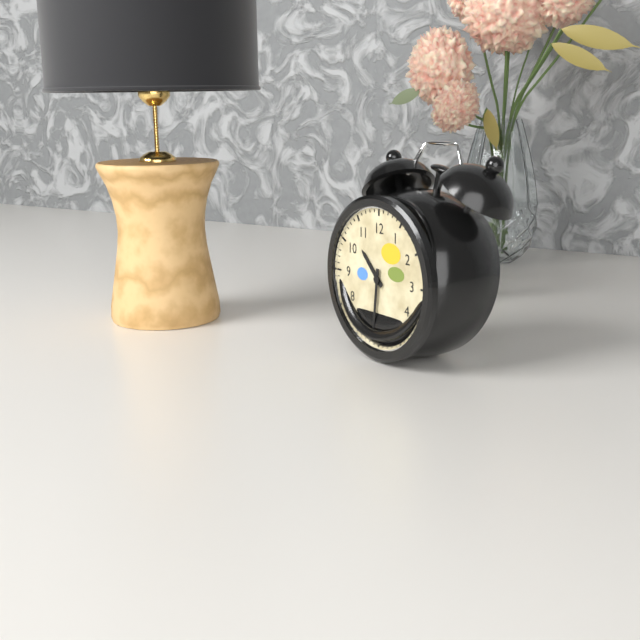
10:31
